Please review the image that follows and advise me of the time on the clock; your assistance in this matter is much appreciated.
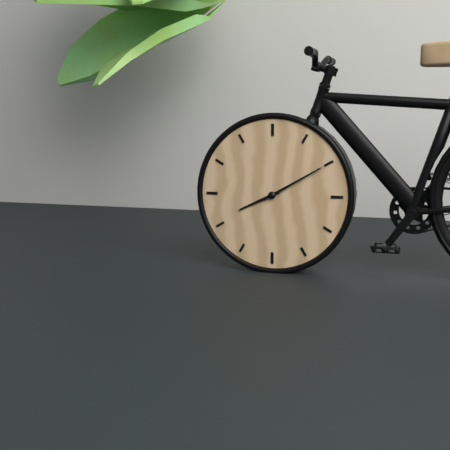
8:10
